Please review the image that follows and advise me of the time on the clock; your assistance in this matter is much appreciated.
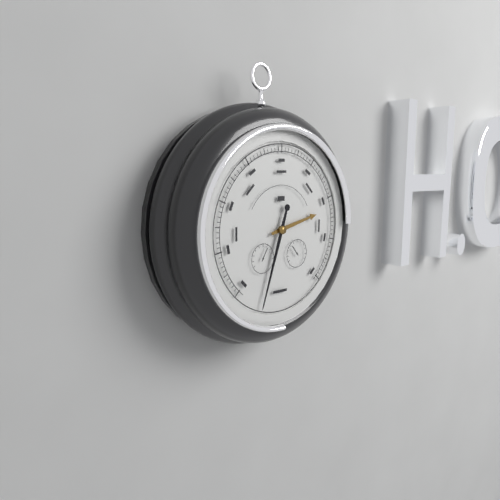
2:33
